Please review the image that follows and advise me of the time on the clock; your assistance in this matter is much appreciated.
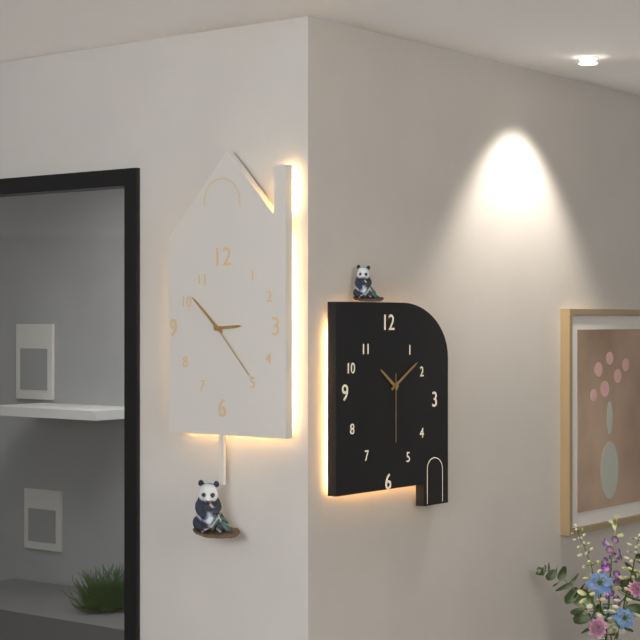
2:52:23
